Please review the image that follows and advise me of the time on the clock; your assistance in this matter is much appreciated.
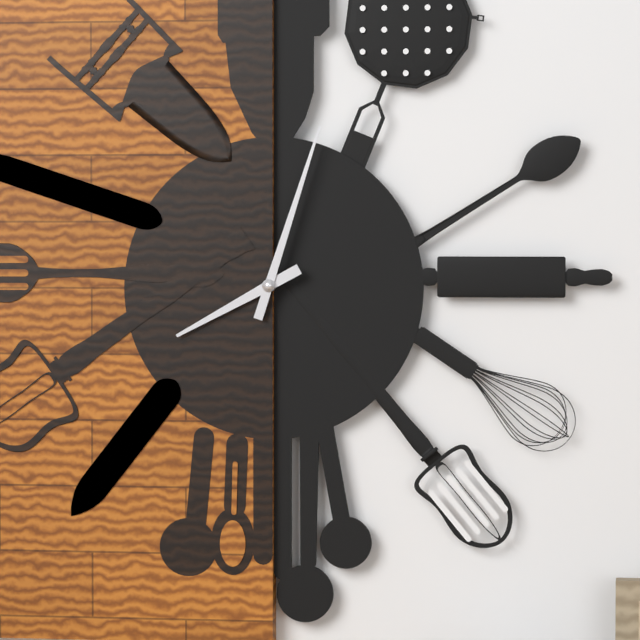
8:03
